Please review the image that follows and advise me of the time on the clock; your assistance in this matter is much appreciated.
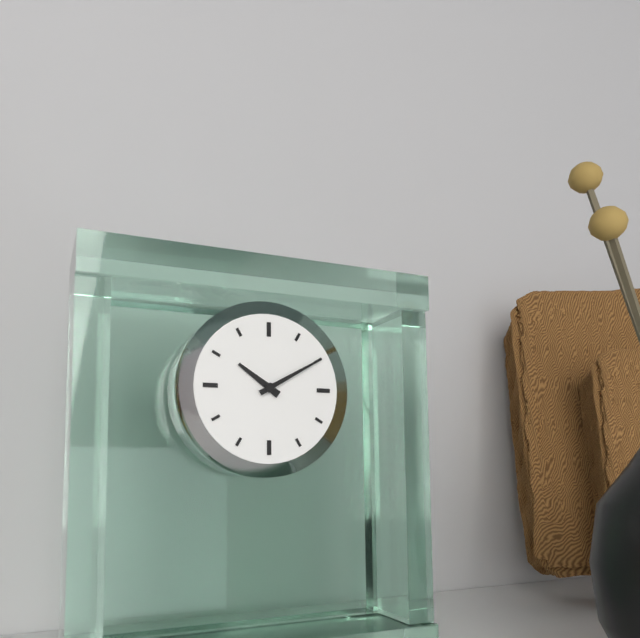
10:10
